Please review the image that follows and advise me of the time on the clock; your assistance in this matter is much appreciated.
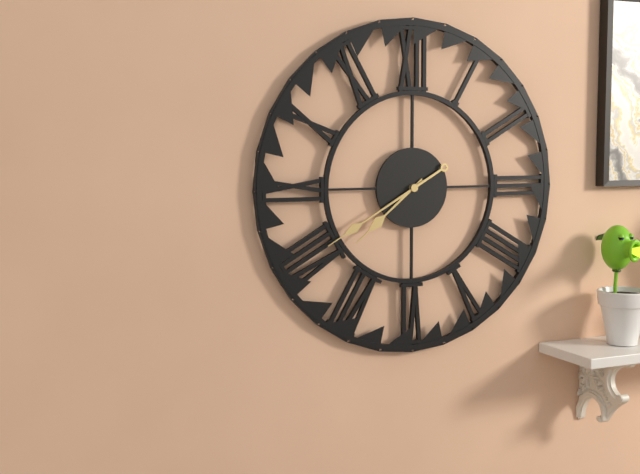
7:40
